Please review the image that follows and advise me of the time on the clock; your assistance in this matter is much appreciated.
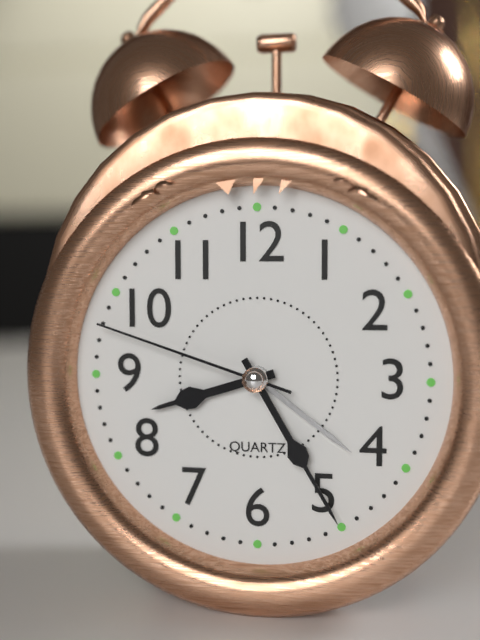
8:25:48
